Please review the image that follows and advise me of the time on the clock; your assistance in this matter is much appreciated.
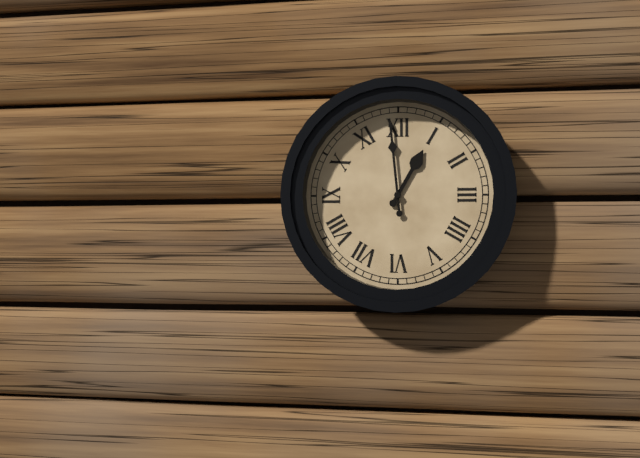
12:59
